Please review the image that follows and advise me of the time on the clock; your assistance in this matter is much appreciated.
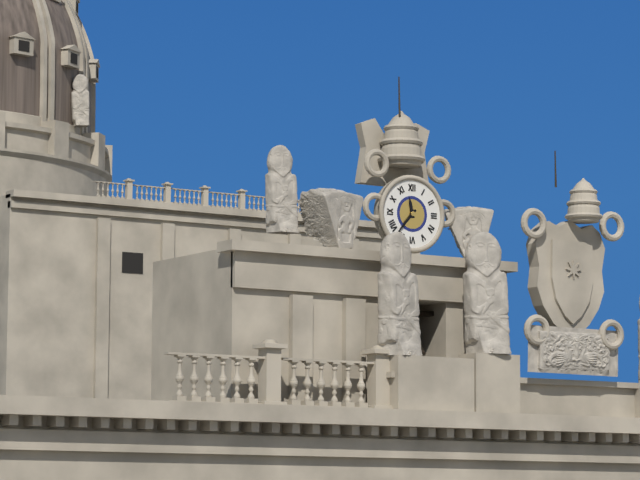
11:37
